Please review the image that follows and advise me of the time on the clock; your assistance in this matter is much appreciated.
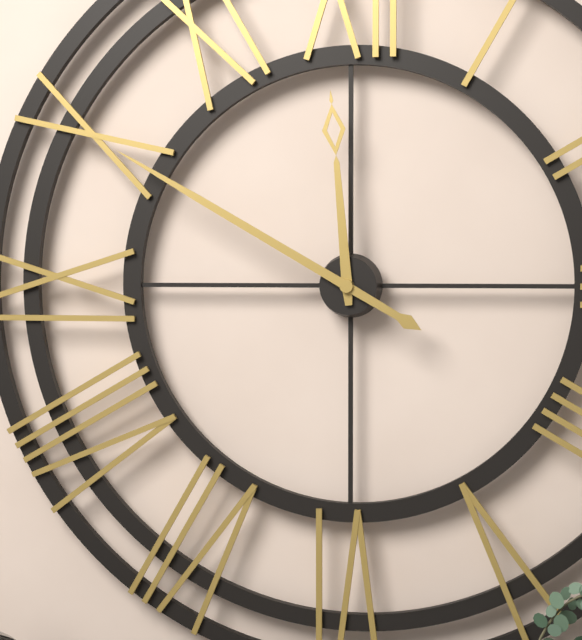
11:50
